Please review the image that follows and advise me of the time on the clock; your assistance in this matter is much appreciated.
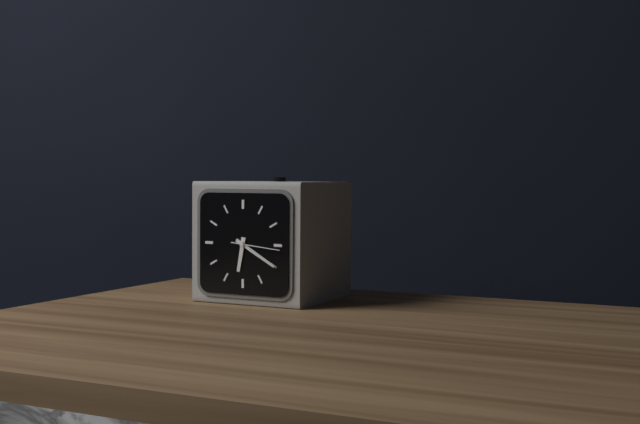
6:20
